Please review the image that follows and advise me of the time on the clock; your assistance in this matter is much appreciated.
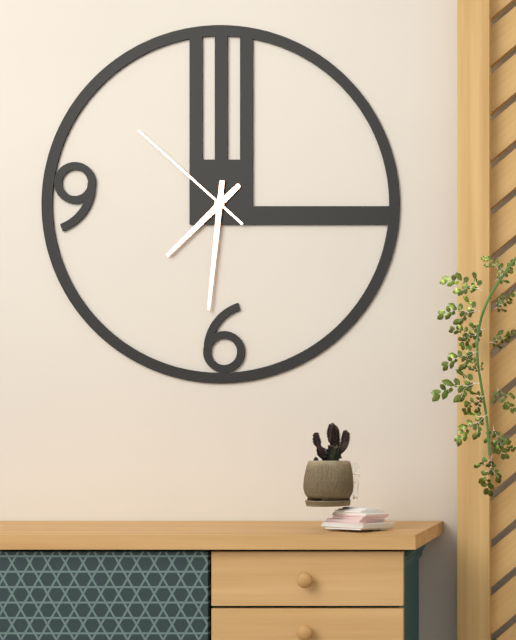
7:31:52
